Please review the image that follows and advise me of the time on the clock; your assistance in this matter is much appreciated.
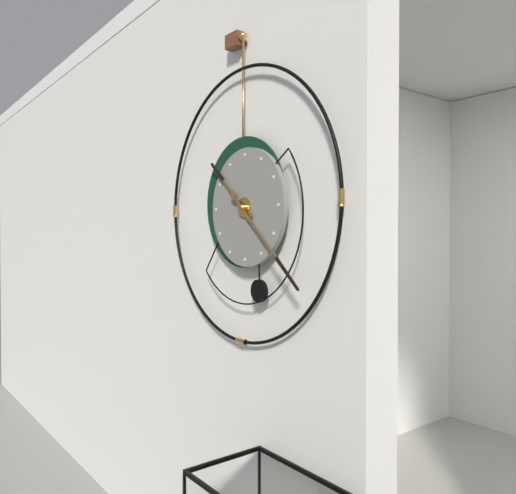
10:22
